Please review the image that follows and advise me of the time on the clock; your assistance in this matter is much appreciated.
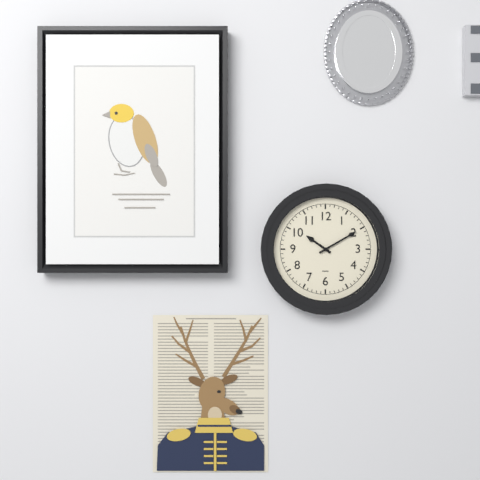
10:10
